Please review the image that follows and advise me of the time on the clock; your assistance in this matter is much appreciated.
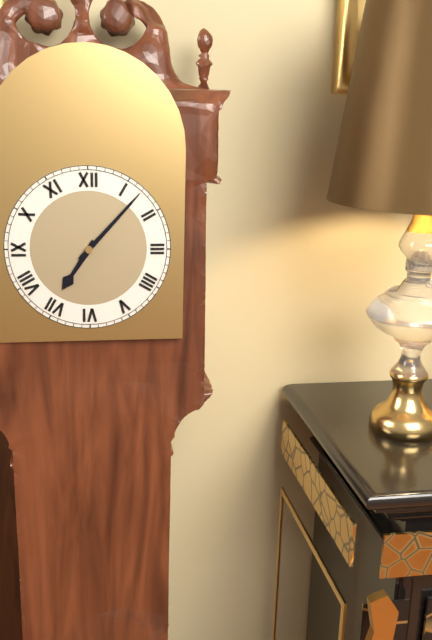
7:07
